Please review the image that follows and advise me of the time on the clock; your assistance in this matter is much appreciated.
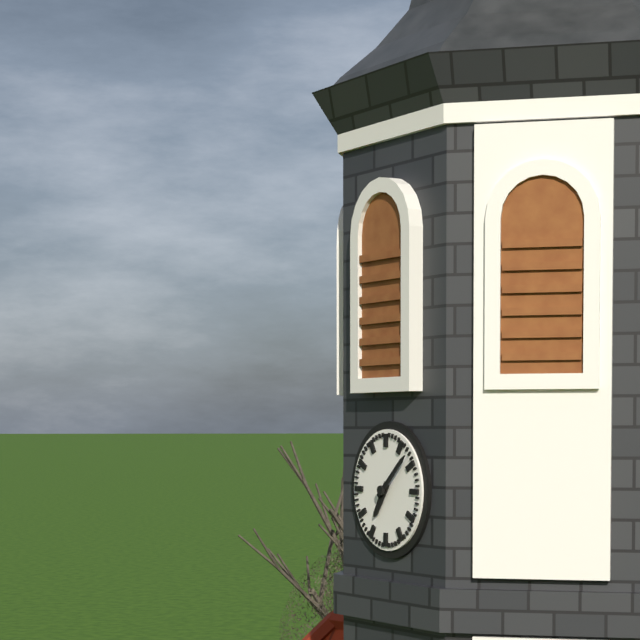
7:08
